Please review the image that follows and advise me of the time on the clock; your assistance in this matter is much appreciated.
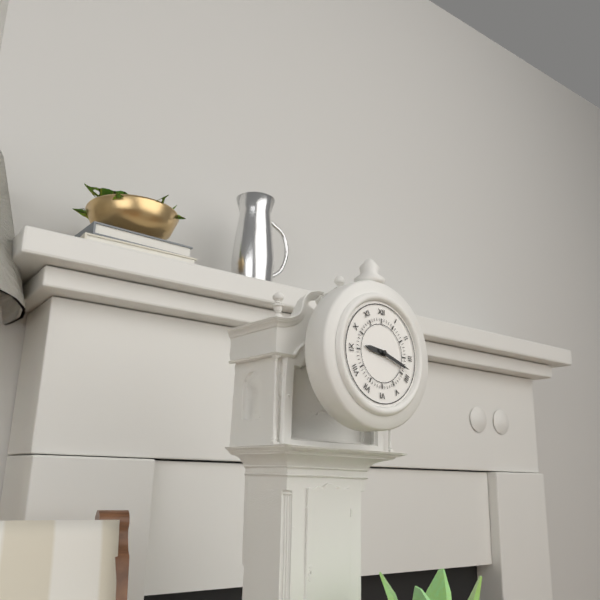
9:18
